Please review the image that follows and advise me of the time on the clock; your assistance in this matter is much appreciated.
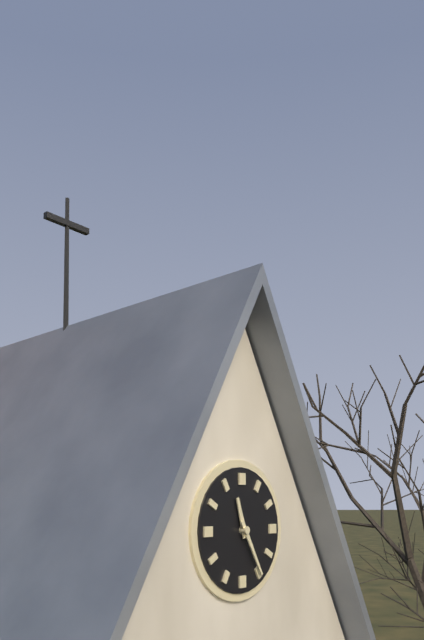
11:25
